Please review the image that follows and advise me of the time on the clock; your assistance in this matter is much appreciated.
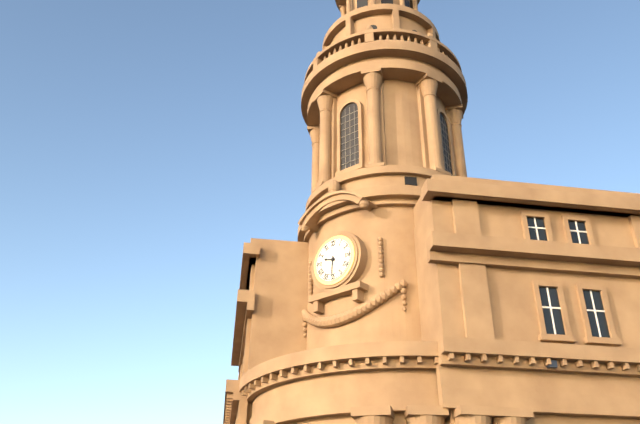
9:31
